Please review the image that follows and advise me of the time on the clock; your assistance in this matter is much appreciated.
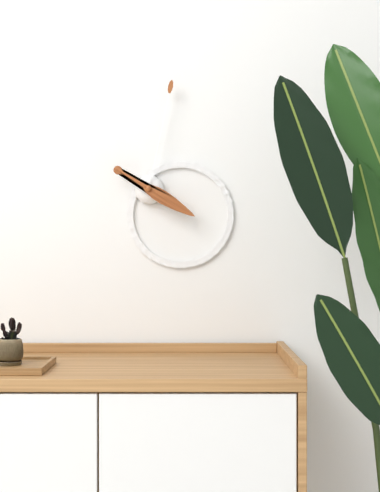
4:02
